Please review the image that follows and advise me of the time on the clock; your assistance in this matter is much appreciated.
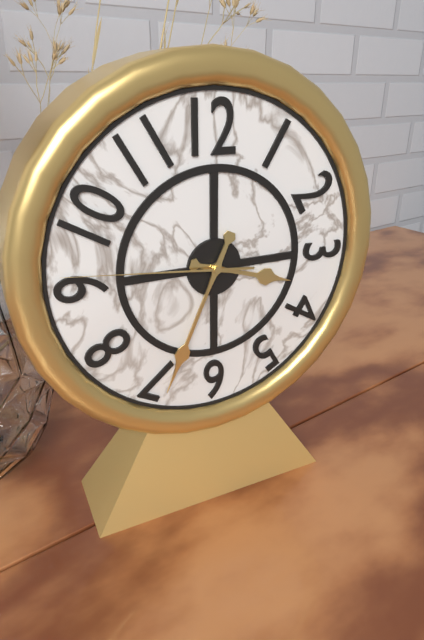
3:34:46
